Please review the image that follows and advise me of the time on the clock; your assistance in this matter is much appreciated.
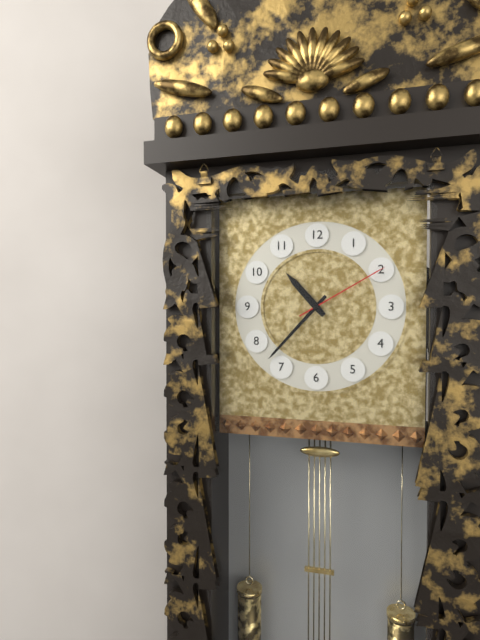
10:37:10
